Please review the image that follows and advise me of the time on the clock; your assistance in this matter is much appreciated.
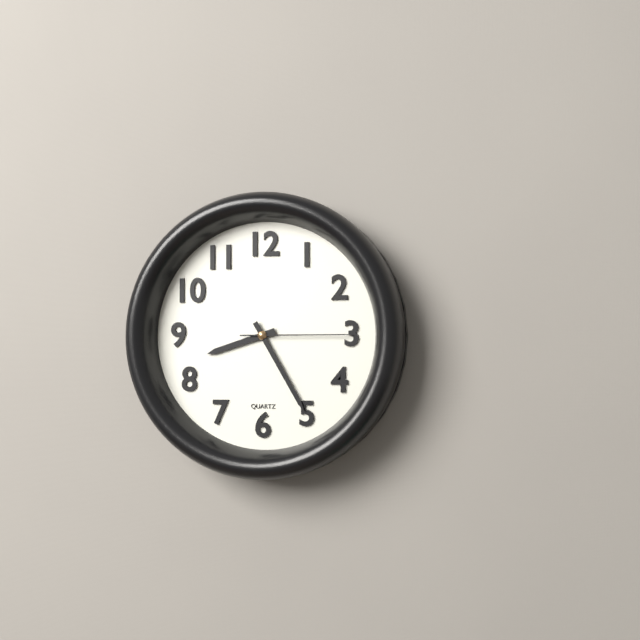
8:25:15
